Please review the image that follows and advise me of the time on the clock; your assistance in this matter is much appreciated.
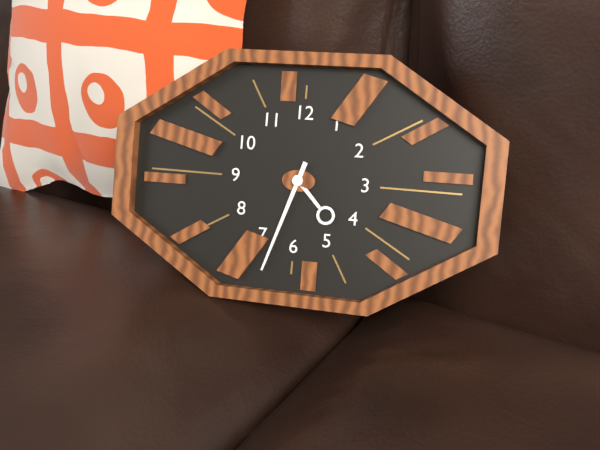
4:33
